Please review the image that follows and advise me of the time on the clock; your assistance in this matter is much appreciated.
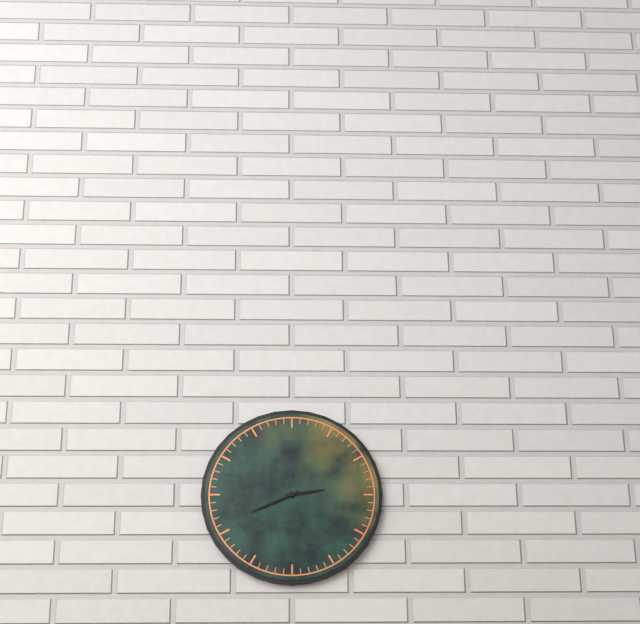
2:41
